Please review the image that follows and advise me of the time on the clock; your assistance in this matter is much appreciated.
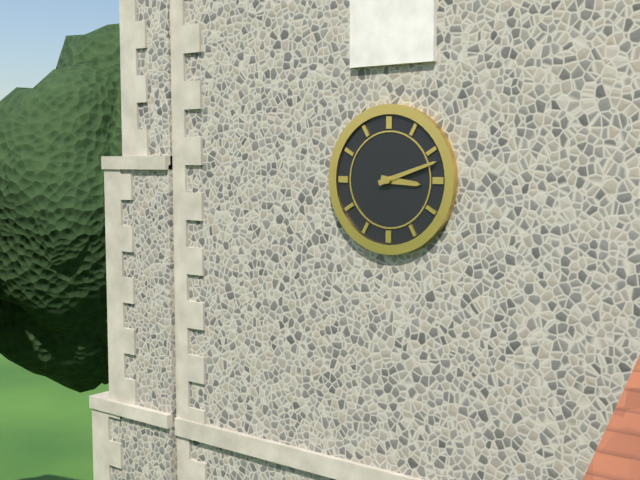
3:12
